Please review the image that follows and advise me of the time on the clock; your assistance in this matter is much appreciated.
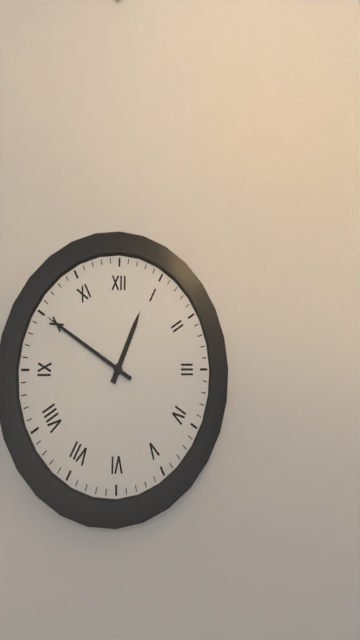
12:50
